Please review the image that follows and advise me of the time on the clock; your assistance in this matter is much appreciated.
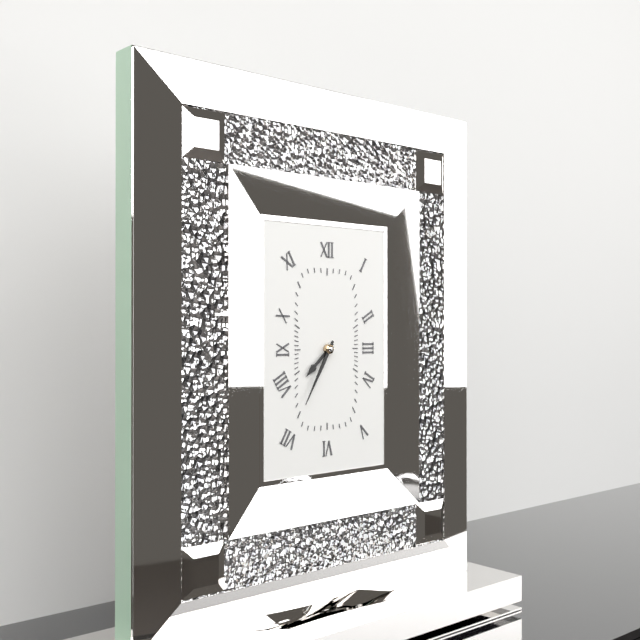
7:35
